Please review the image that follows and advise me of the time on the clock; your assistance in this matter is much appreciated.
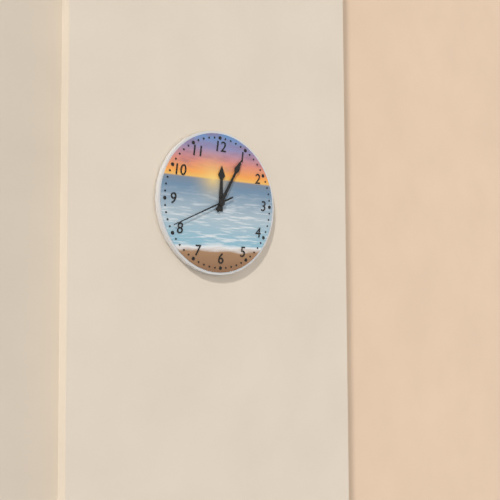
12:05:41
